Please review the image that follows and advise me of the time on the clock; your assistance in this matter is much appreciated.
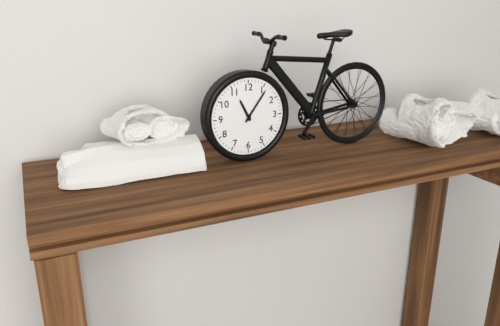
11:06
